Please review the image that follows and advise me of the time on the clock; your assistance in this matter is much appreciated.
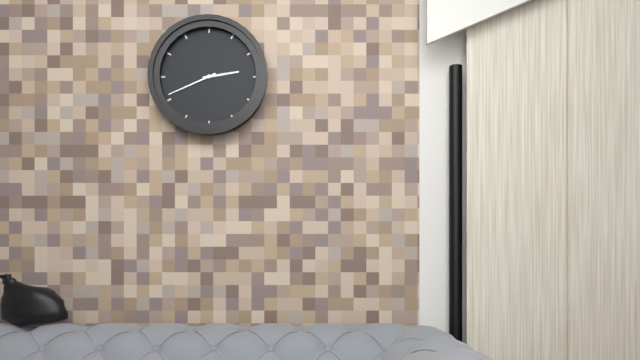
2:41
